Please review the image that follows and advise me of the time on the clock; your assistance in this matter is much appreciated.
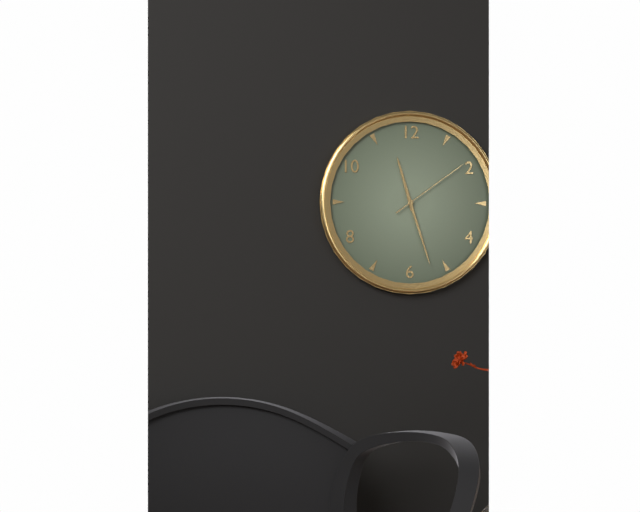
11:27:09
